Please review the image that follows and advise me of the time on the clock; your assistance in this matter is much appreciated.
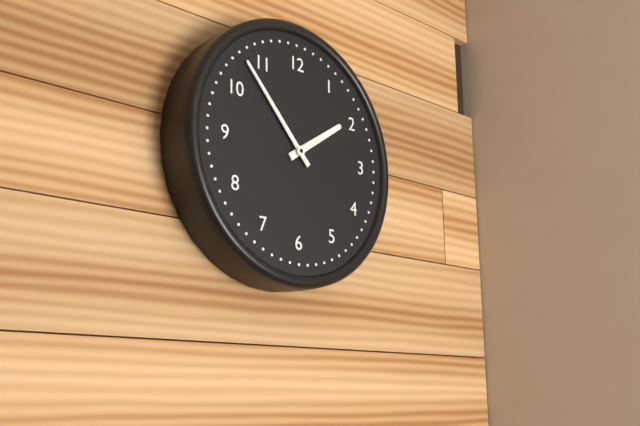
1:53
